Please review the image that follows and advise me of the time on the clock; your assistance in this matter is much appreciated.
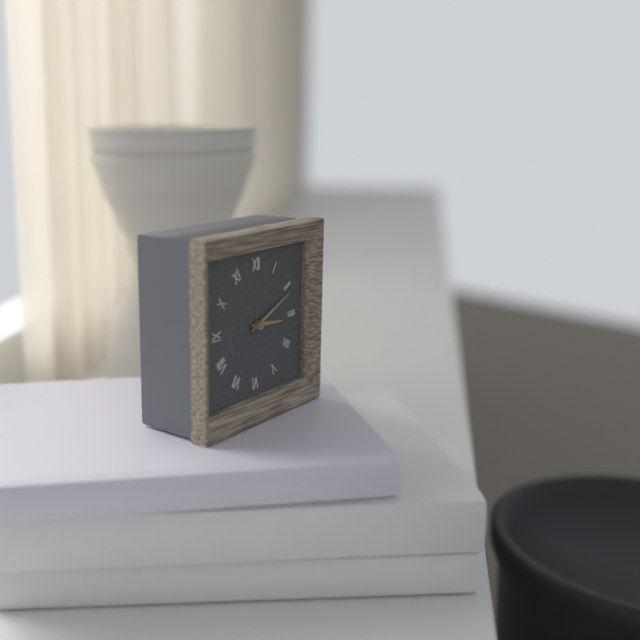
3:11
